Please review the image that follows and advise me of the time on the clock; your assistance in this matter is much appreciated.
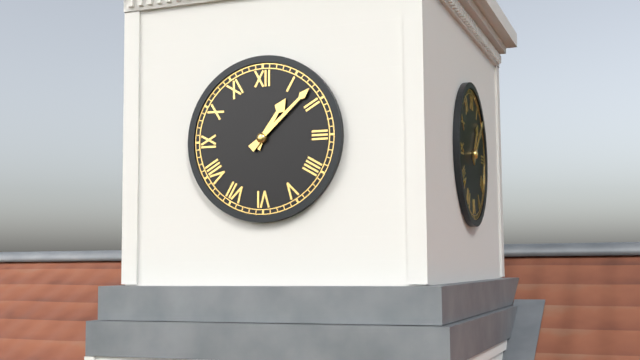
1:08
